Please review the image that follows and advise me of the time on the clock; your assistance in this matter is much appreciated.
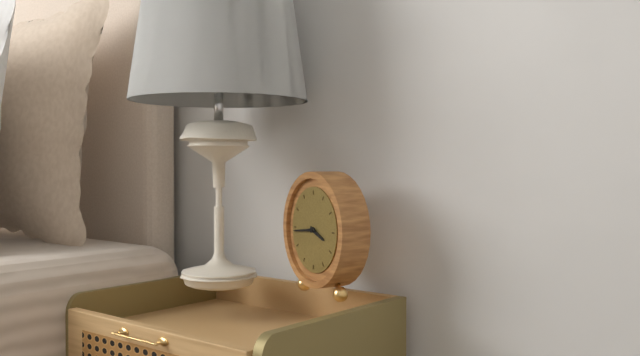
3:44
